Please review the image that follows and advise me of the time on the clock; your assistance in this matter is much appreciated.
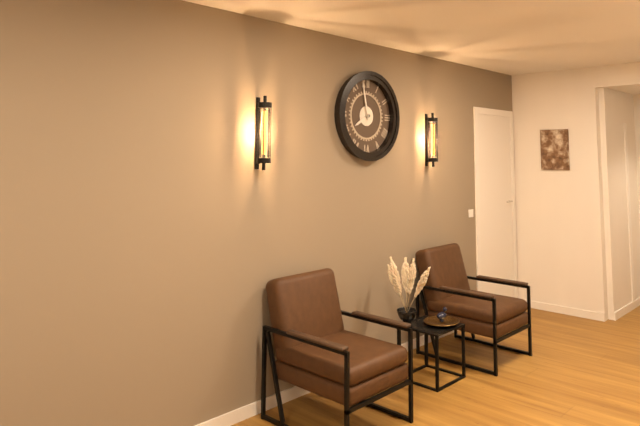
7:58
